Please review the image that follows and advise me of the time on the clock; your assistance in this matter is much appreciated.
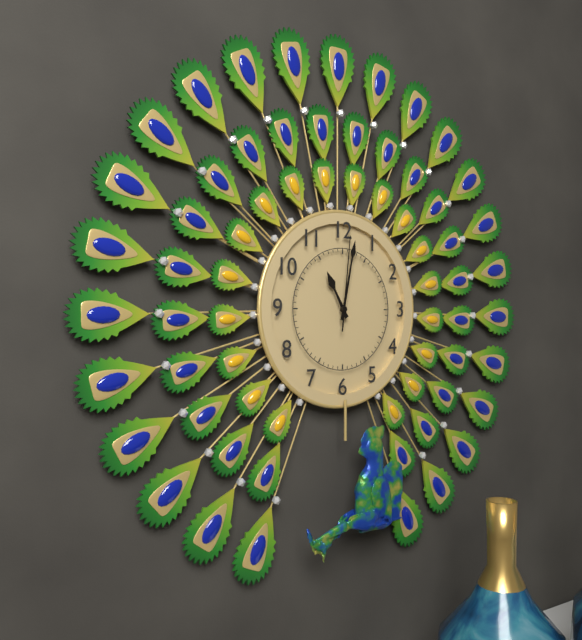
11:02:01
